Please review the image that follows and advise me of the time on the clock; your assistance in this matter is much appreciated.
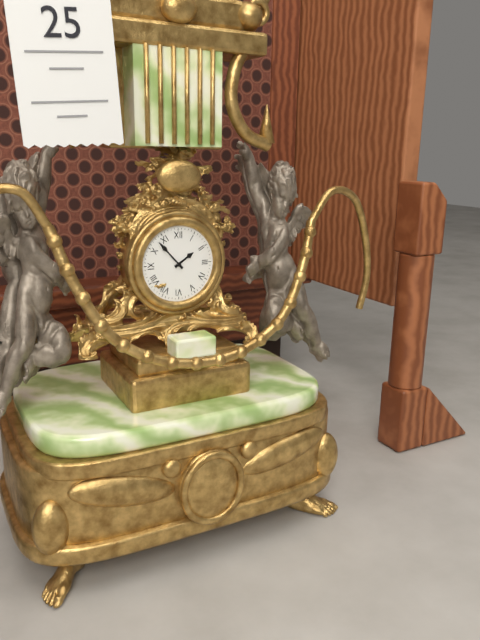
1:53
